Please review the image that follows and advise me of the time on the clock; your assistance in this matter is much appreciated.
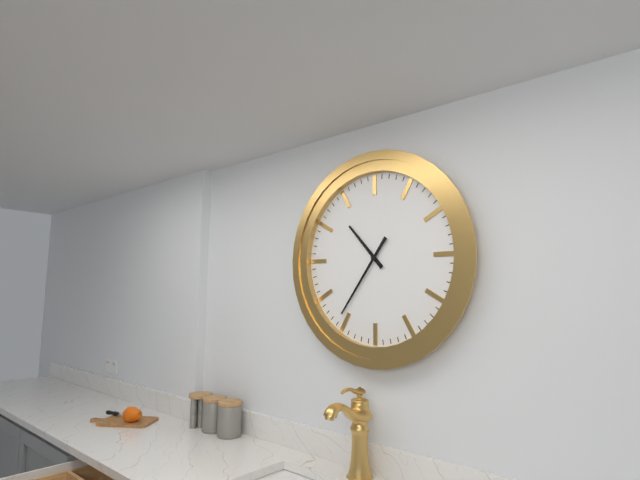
10:36
